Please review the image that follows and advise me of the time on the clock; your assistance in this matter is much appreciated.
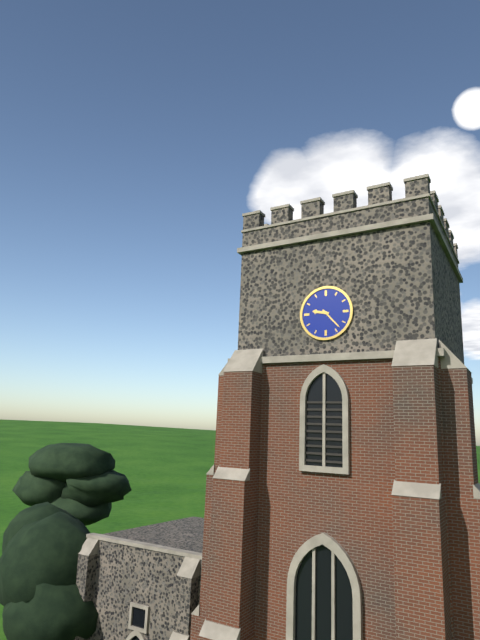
9:23
